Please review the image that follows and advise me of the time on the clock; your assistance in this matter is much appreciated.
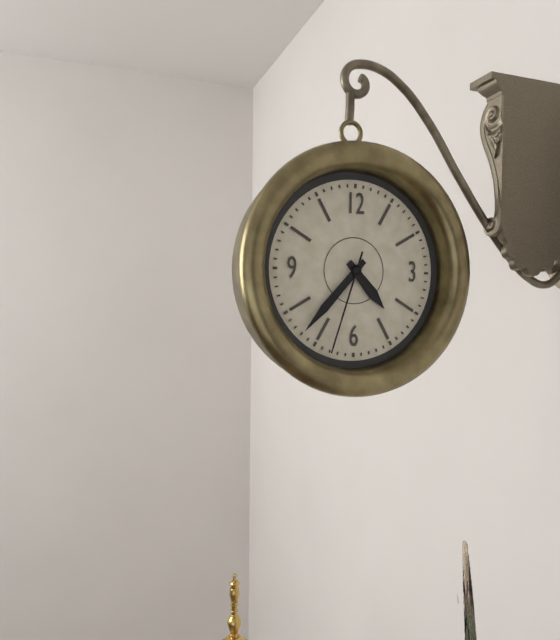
4:37:33
